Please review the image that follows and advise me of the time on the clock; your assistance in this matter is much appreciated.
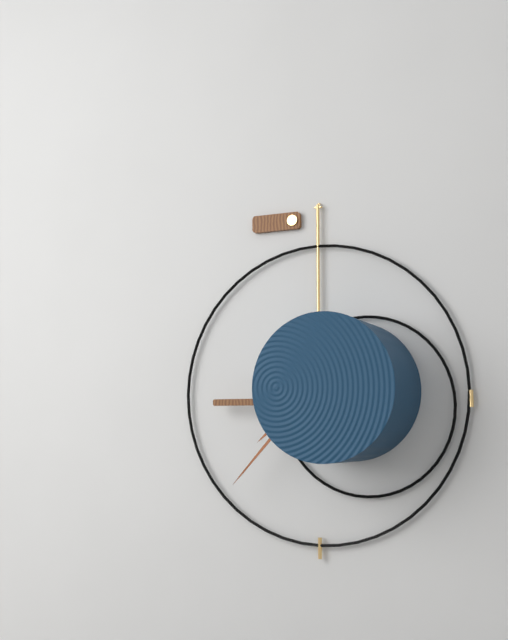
7:37
